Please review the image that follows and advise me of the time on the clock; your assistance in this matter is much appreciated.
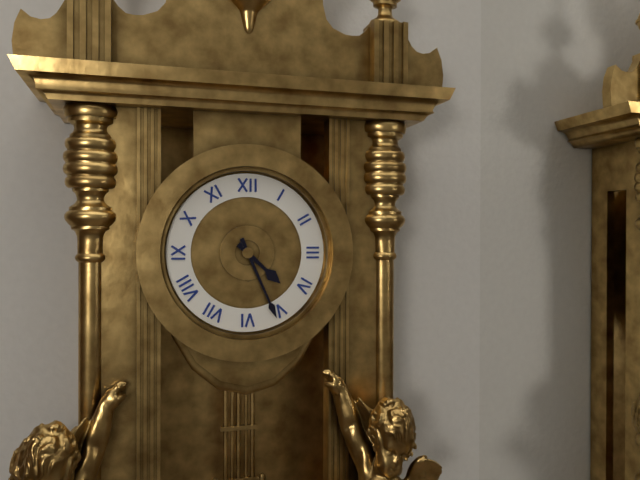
4:26
